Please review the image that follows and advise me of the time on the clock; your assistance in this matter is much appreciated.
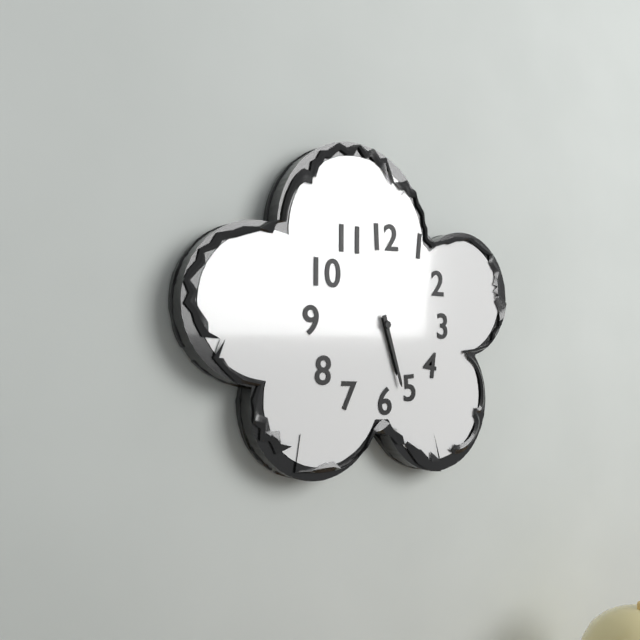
5:27
